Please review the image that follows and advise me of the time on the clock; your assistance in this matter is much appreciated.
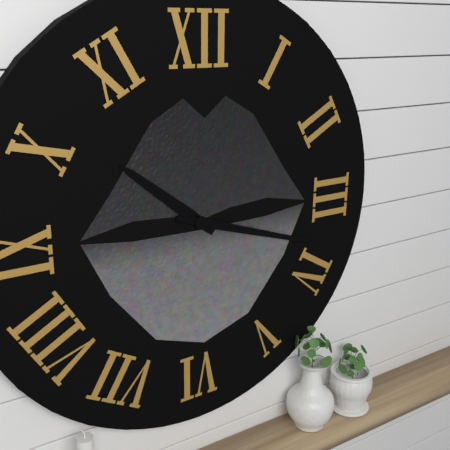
10:18
